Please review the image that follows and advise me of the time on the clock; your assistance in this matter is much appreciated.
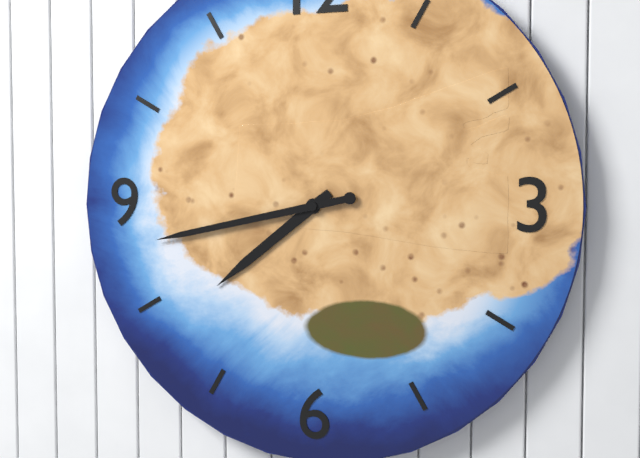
7:43
